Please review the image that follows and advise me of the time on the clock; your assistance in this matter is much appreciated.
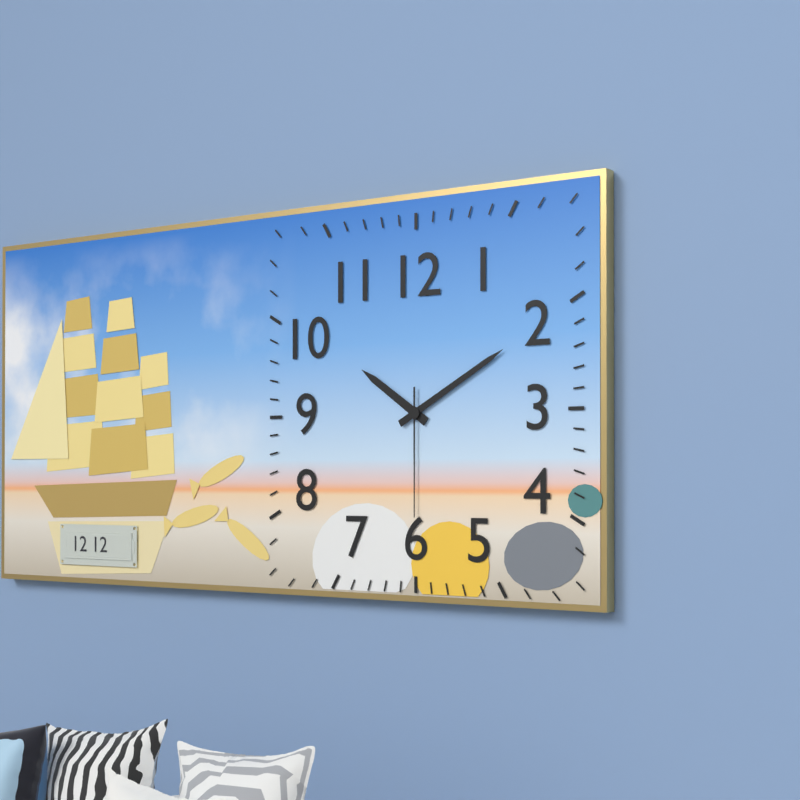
10:10:30
